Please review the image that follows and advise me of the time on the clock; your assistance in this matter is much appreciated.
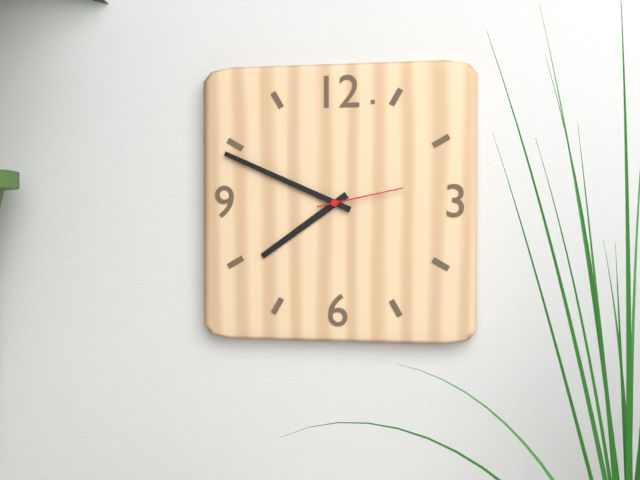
7:49:13
